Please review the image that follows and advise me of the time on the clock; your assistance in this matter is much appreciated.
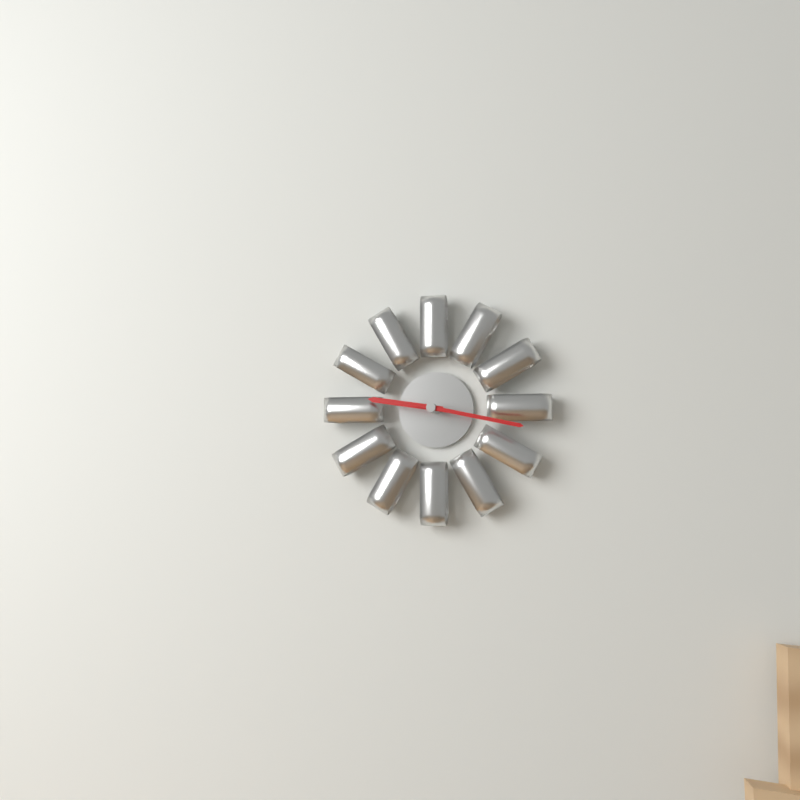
9:17
